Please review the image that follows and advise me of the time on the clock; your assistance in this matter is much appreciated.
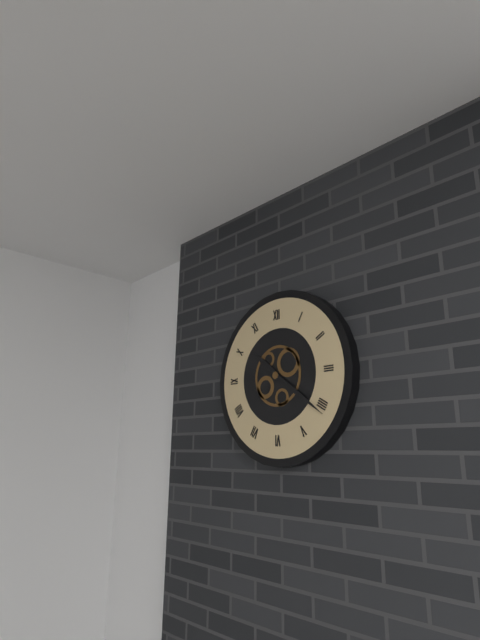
10:21
